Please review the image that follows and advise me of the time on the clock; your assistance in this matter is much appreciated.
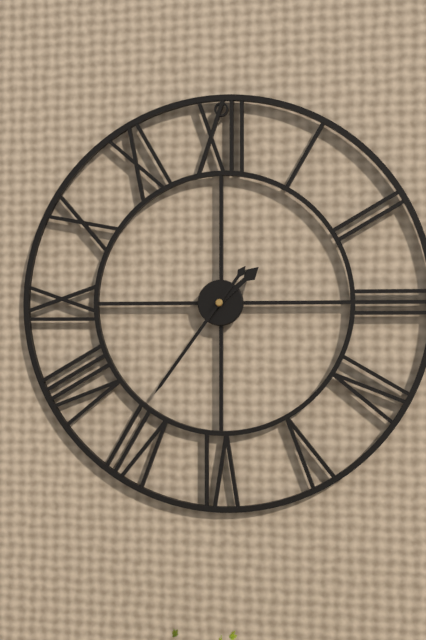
1:36
